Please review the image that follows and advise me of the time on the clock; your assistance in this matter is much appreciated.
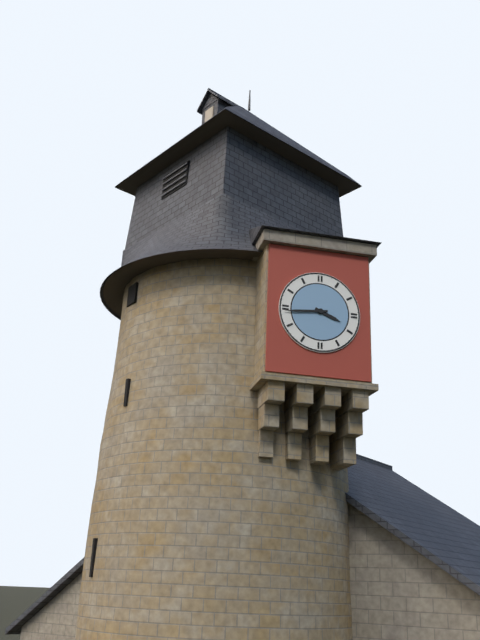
3:44
